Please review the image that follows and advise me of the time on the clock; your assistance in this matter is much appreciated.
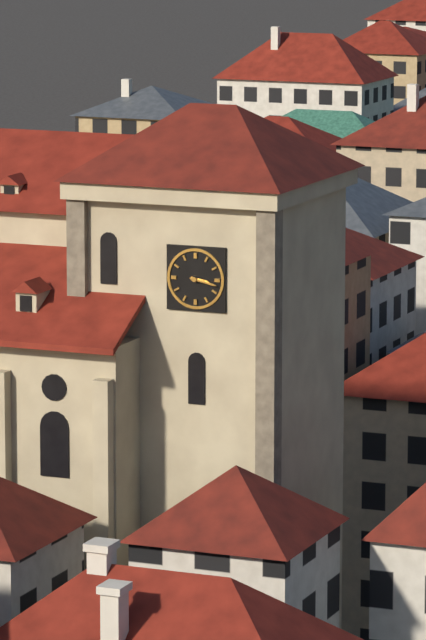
3:17
